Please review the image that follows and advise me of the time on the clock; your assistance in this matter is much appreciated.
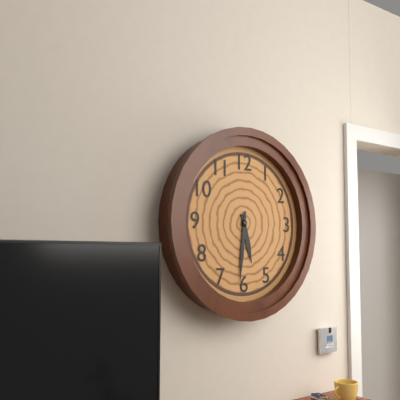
5:31
